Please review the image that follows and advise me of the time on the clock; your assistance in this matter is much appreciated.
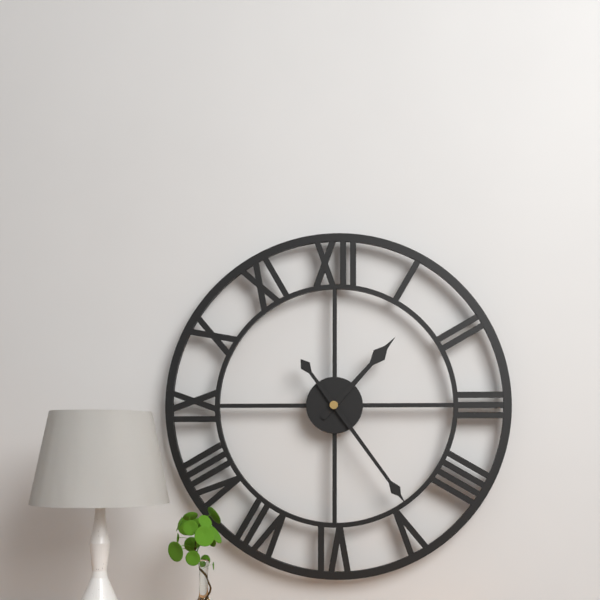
1:24
